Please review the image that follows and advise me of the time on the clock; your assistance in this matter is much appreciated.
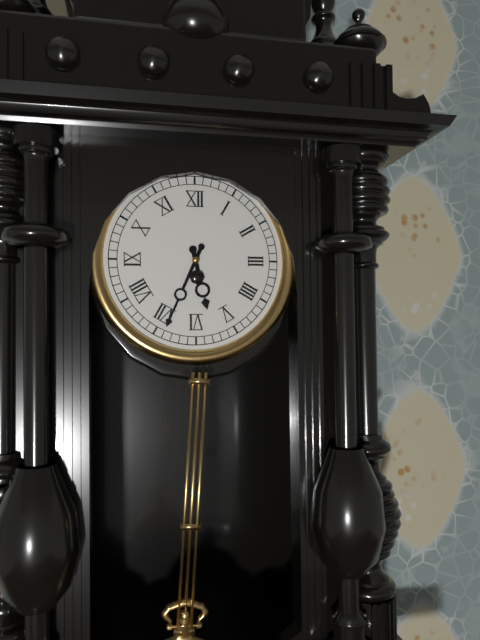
5:34
